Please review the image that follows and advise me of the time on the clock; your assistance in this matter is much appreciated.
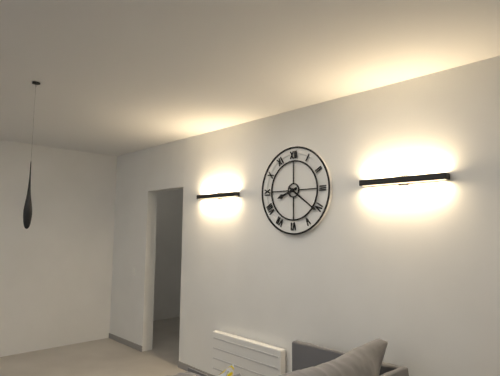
8:21
